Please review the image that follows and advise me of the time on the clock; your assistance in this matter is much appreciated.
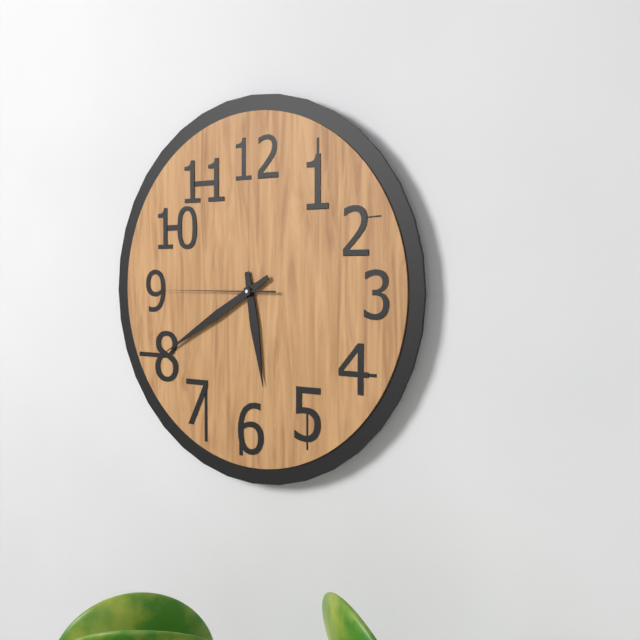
5:40:45
